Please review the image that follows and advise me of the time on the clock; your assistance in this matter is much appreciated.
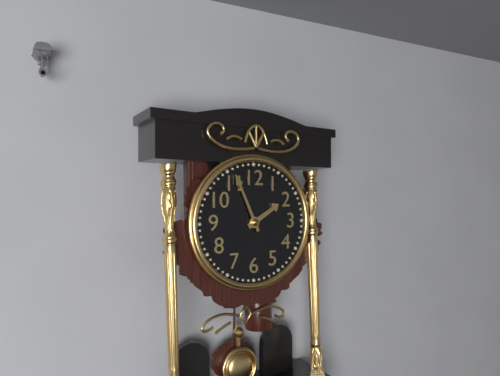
1:56
